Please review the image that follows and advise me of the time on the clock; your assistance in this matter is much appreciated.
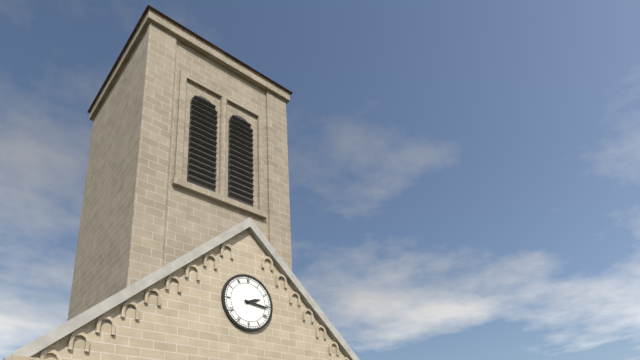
2:16
